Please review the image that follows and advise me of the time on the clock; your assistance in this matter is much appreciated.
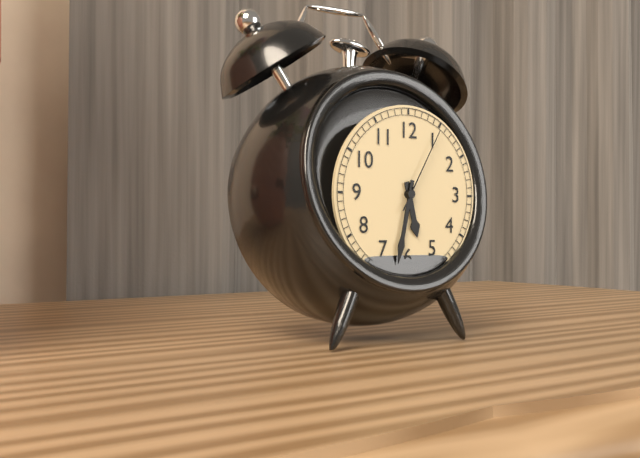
5:32:05
